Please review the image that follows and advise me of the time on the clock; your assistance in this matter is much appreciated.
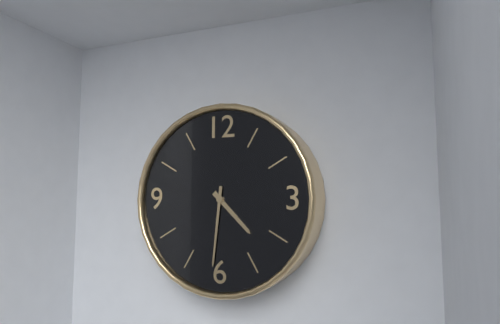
4:31
